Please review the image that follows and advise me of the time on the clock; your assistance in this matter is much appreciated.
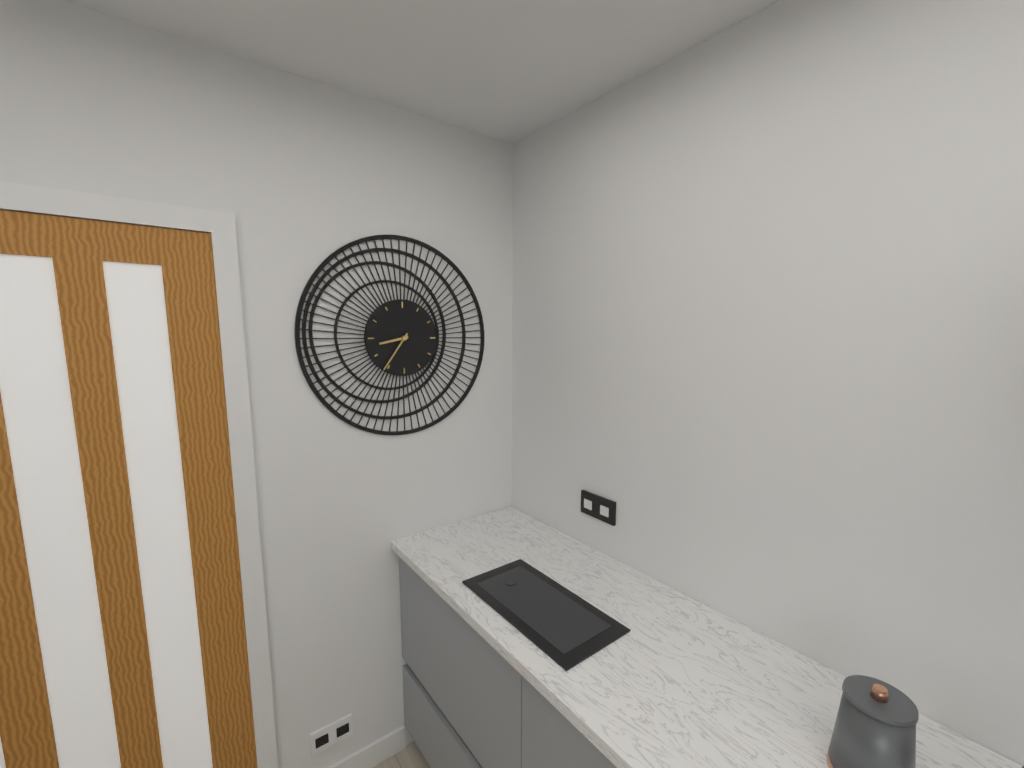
8:36
